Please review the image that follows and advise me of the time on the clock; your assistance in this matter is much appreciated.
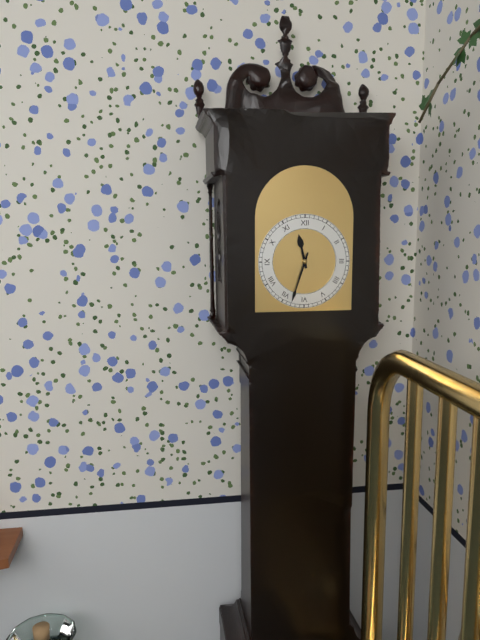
11:33
